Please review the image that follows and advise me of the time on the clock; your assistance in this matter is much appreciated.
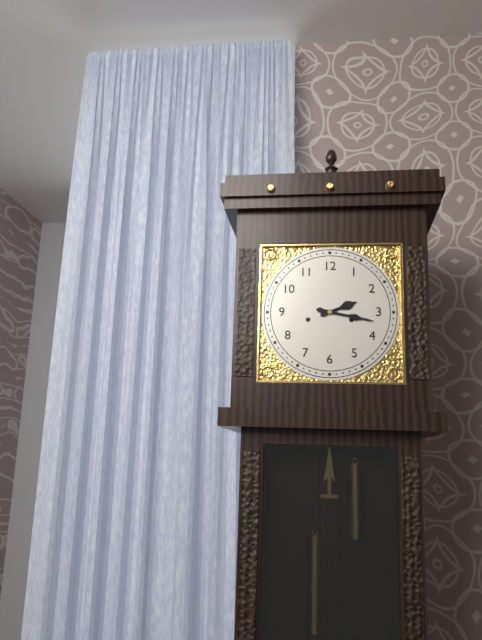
2:17
